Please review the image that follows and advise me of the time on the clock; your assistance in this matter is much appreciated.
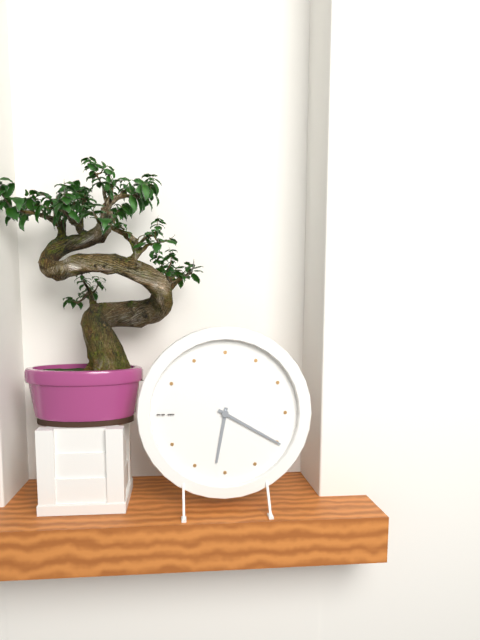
6:20
